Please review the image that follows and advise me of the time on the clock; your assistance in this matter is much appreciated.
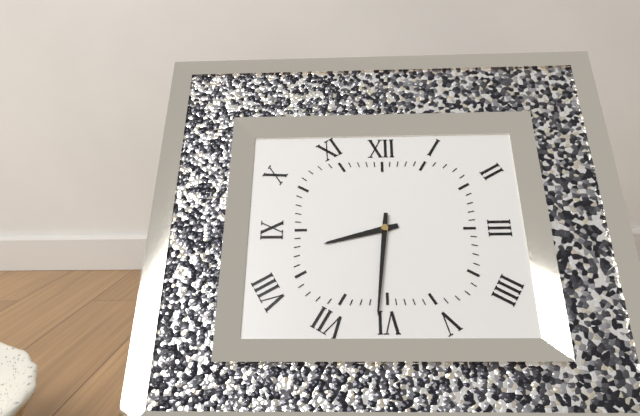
8:31
